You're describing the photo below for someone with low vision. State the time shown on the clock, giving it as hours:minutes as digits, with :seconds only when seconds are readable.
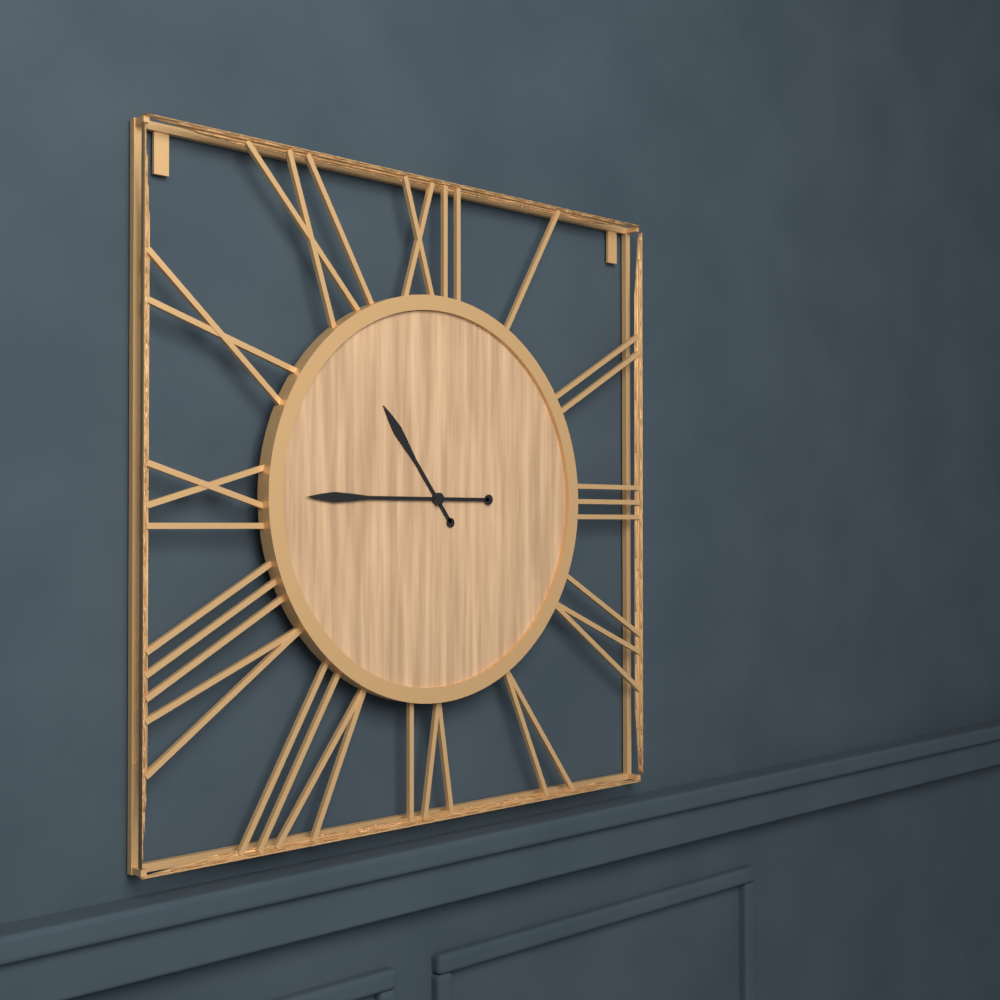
10:45
